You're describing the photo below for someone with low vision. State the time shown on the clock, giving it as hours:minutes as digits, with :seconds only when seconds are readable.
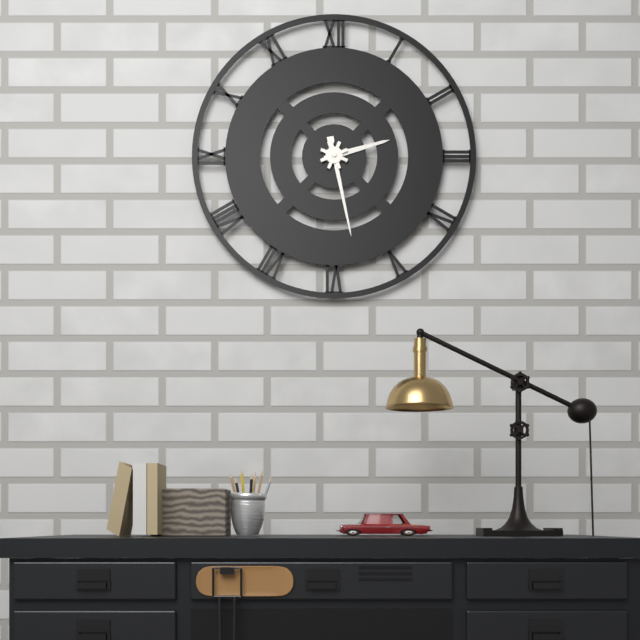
2:28
